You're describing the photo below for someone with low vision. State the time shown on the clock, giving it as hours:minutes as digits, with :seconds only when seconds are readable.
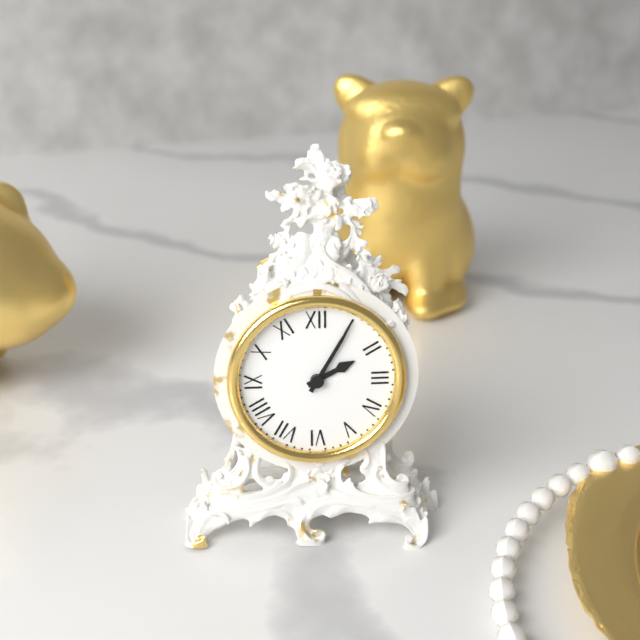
2:05
